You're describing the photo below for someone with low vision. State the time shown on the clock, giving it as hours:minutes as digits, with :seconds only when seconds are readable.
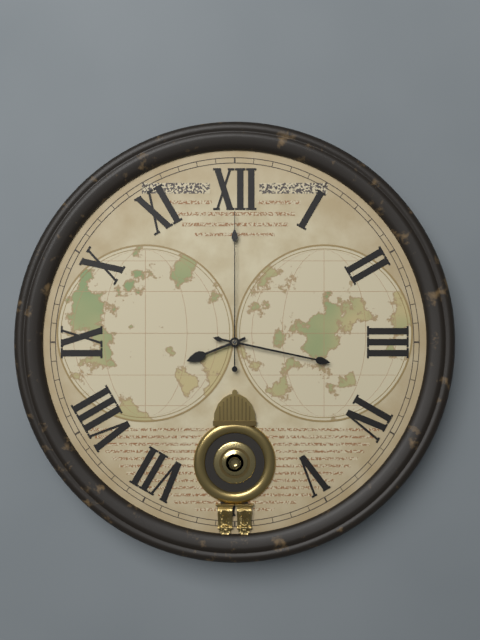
8:17:00
